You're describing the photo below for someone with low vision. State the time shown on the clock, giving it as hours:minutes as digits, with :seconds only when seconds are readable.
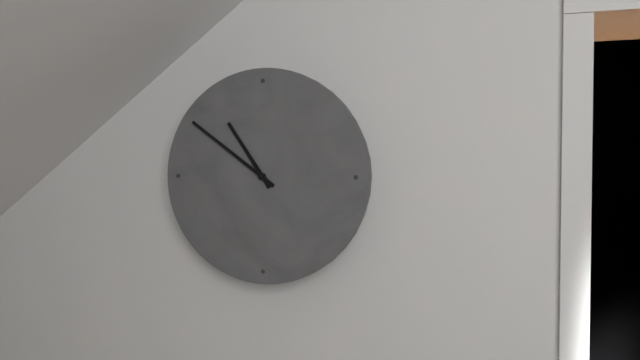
10:51
